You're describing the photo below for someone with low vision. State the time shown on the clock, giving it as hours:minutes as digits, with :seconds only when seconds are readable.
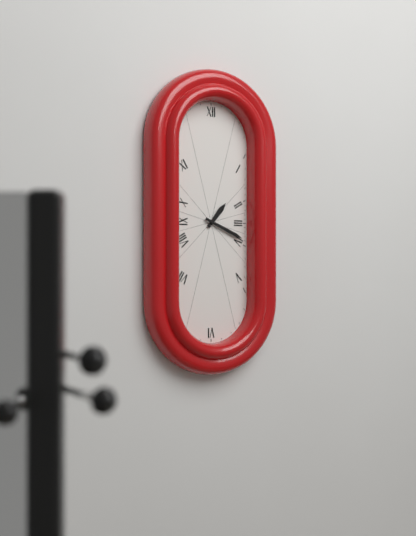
1:19
